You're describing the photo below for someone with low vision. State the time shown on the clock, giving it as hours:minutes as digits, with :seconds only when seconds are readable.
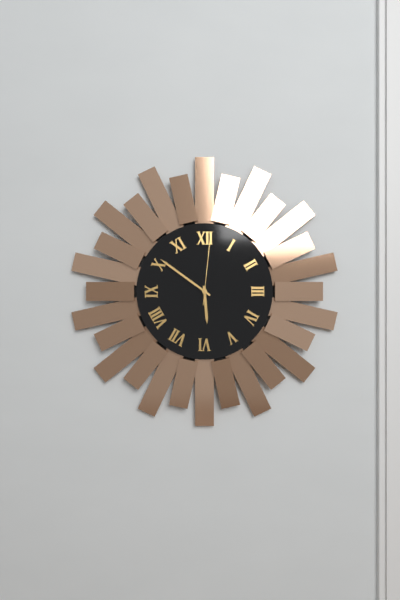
5:51:01
